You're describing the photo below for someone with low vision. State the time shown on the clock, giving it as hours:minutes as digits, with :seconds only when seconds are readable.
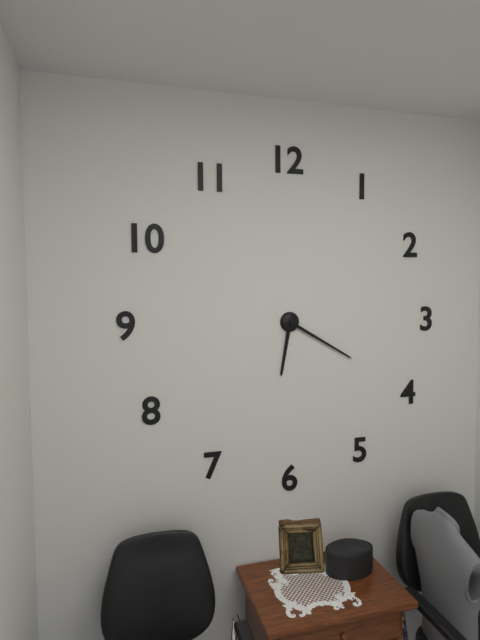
6:20
